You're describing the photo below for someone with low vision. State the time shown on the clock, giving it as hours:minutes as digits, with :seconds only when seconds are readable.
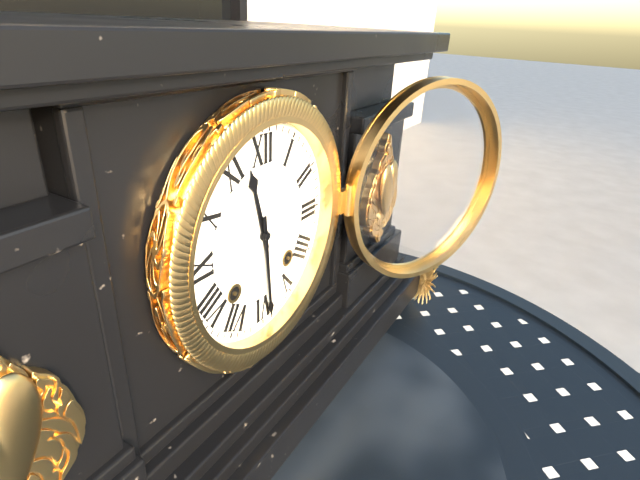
11:29
